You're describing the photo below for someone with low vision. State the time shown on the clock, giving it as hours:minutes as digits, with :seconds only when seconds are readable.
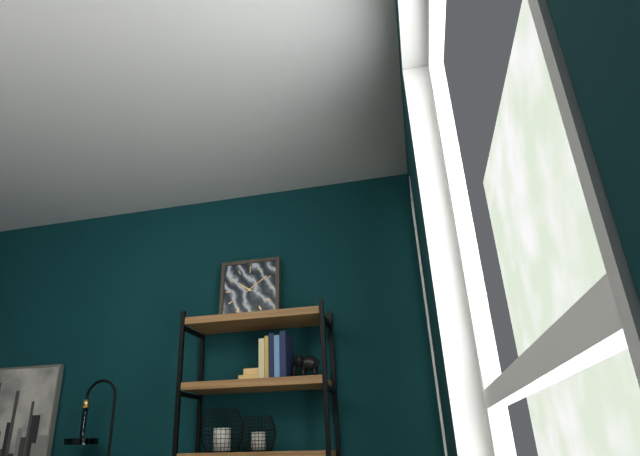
10:09
